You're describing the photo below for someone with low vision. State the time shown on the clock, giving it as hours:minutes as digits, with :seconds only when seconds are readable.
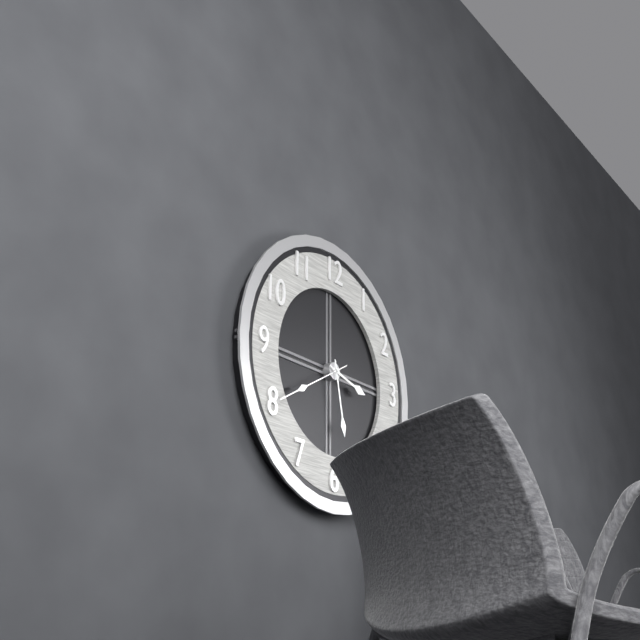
3:28:40
